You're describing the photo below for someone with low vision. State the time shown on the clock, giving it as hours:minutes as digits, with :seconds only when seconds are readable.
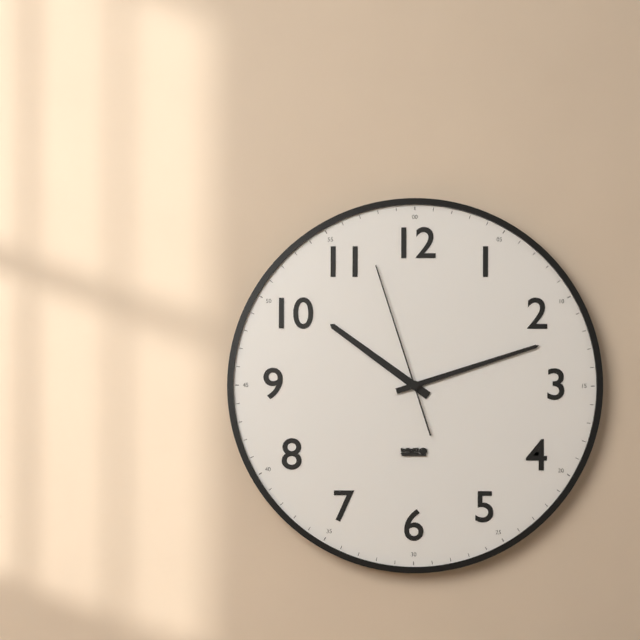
10:12:57
